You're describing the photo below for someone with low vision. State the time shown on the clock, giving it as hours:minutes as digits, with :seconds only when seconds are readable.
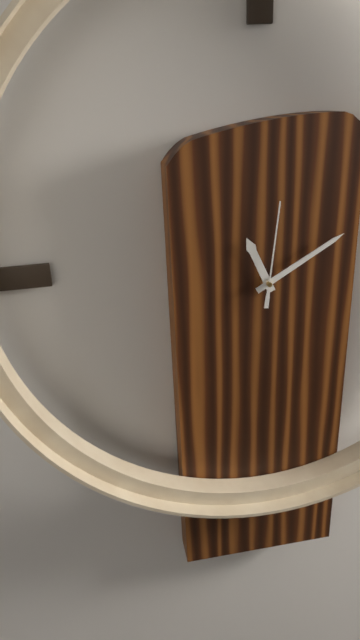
11:10:01
